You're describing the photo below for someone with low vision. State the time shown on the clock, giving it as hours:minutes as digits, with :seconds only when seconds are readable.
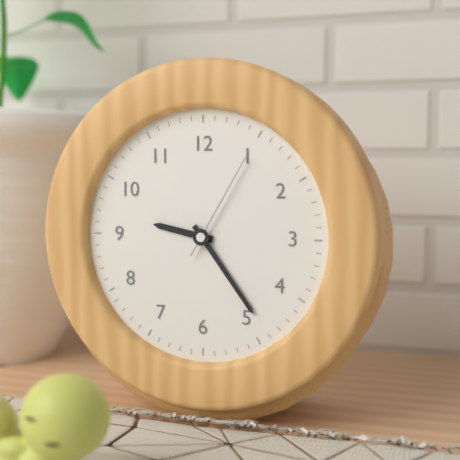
9:24:05
